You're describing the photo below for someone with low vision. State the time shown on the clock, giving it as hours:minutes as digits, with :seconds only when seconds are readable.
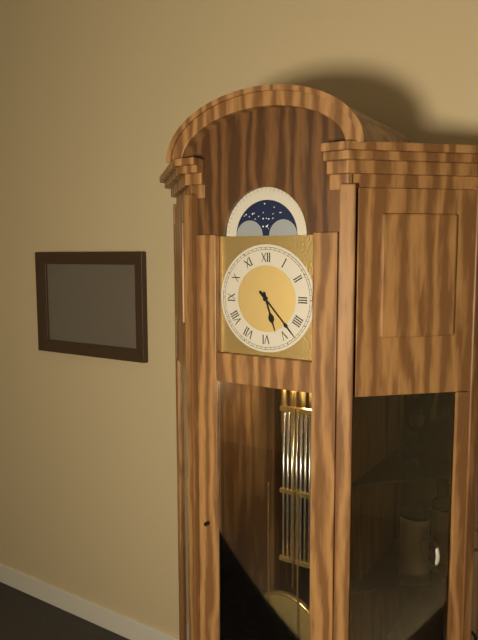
5:23
